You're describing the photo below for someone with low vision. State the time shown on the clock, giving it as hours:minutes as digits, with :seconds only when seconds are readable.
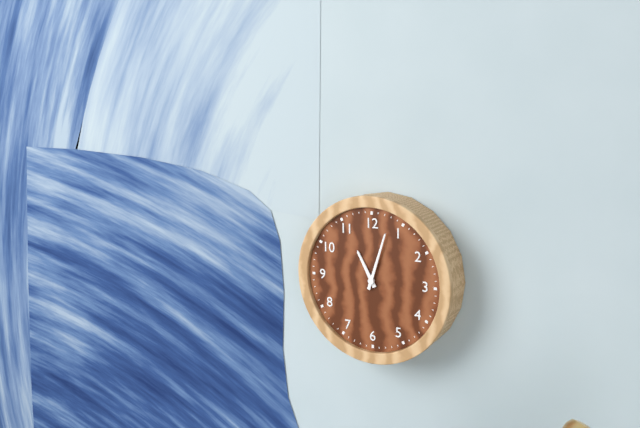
11:03
